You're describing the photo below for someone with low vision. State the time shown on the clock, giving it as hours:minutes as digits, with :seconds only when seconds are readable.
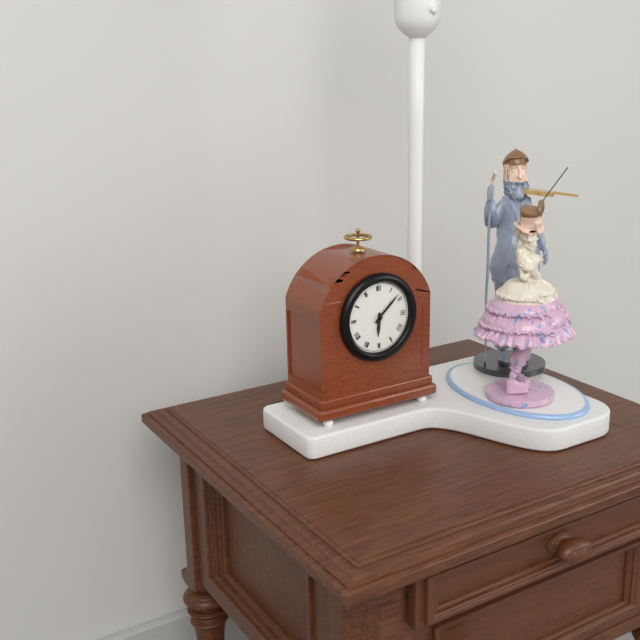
6:08
